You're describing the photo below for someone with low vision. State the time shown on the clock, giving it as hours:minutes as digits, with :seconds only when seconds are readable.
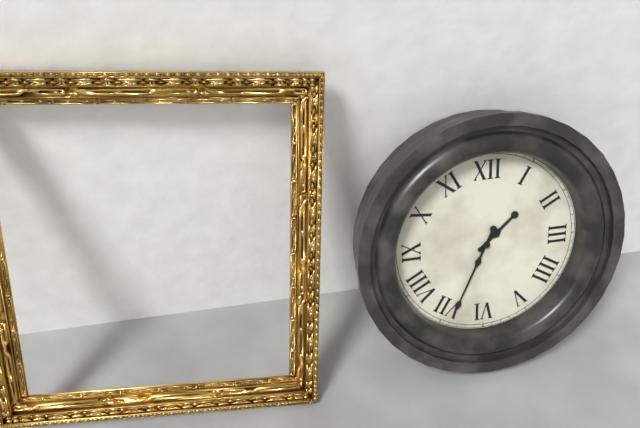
1:34
